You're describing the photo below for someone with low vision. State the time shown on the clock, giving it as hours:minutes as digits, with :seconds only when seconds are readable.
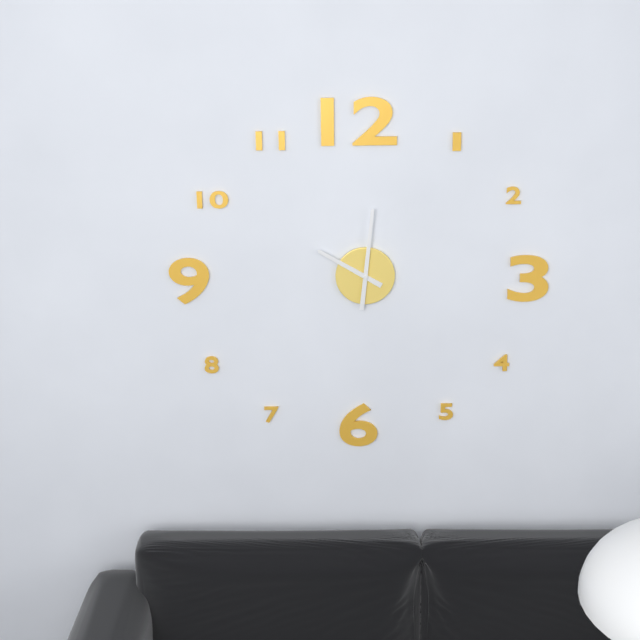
10:01
